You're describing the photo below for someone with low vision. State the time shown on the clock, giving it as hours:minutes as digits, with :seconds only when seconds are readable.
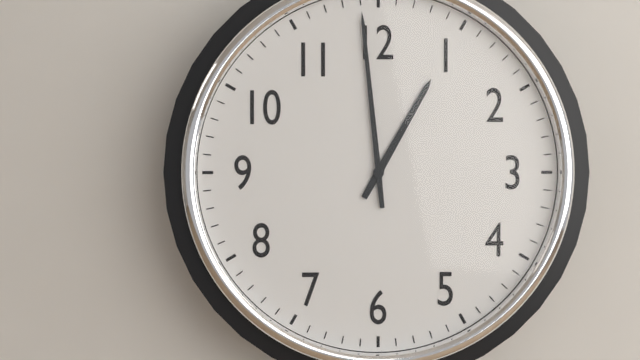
12:59
